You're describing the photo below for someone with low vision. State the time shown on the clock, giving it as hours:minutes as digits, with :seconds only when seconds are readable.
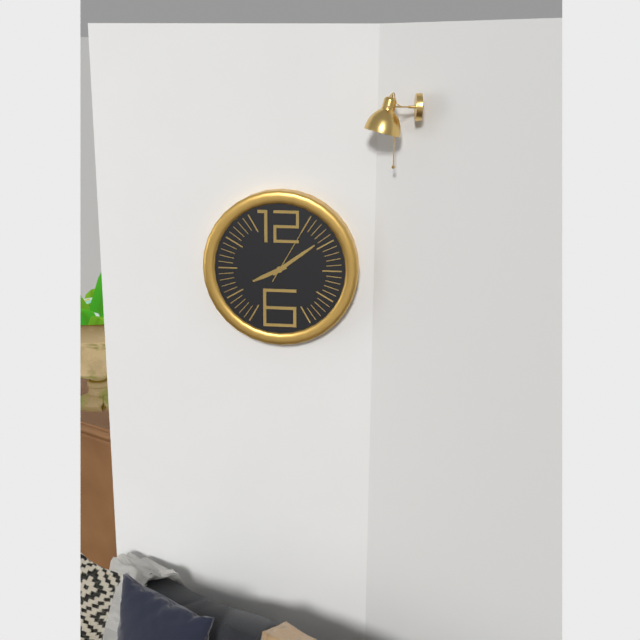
8:09:05
